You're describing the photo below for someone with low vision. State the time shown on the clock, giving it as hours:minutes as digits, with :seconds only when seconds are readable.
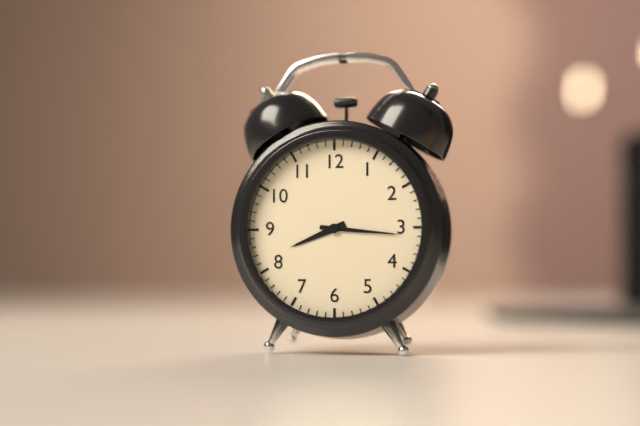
8:16
